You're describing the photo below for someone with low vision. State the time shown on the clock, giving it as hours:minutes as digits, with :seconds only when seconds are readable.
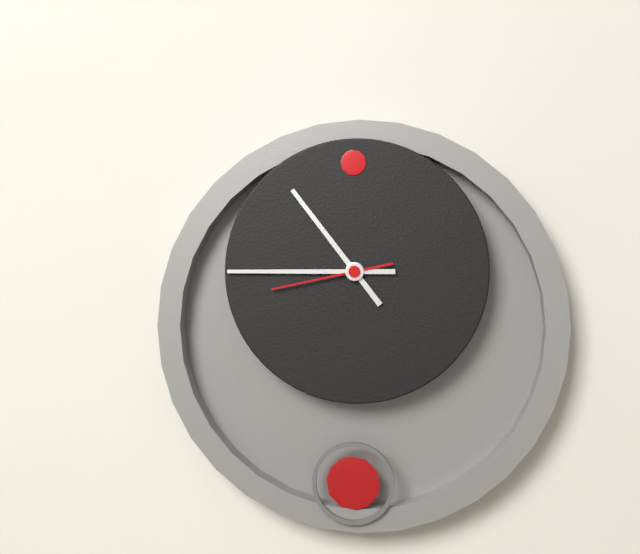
10:45:43
